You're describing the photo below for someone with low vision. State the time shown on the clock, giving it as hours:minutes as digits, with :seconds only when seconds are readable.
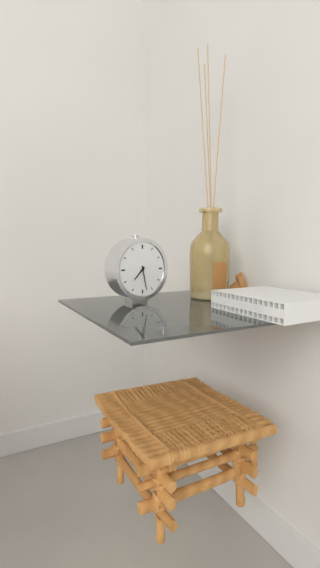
7:28
